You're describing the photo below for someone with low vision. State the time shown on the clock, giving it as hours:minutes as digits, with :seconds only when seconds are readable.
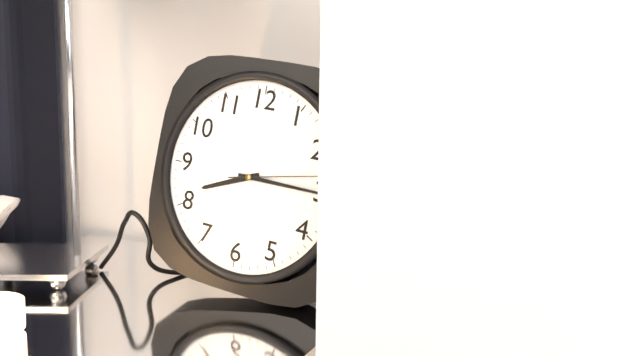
8:15:13
